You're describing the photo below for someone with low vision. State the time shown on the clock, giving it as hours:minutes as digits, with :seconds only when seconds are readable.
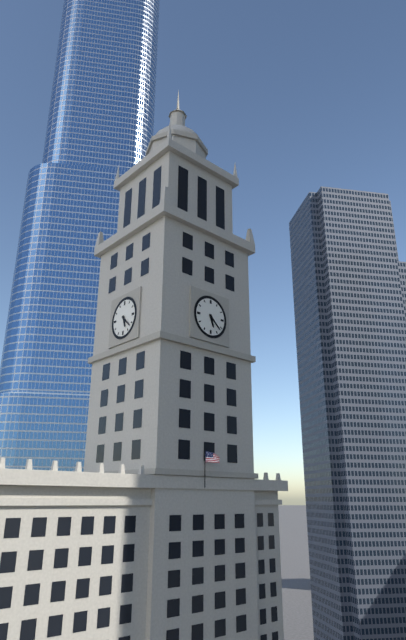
5:22
